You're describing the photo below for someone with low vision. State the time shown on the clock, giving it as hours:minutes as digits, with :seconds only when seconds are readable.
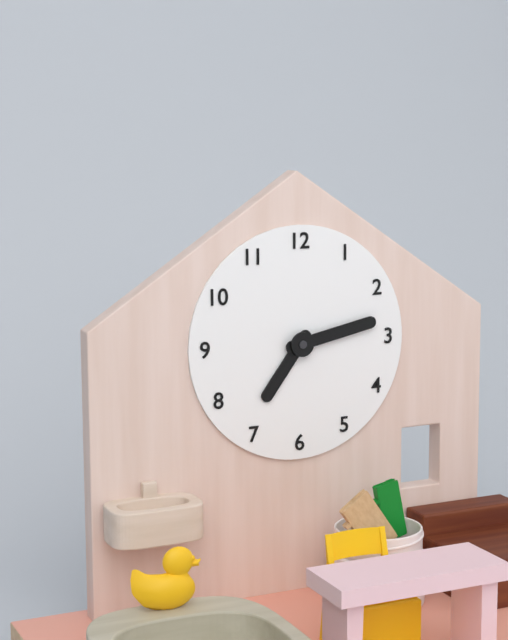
7:13
